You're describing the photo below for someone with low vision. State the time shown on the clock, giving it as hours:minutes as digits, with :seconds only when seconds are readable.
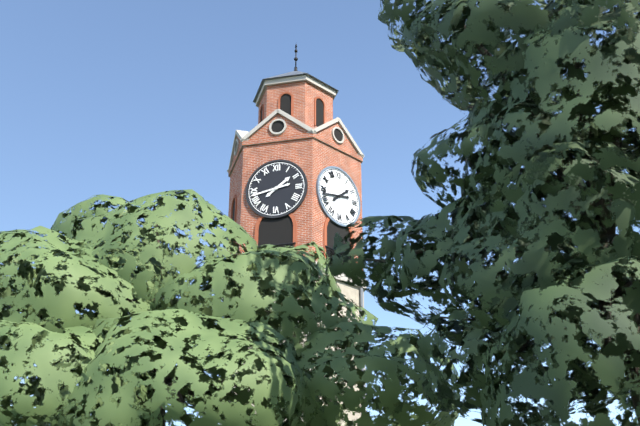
1:43
